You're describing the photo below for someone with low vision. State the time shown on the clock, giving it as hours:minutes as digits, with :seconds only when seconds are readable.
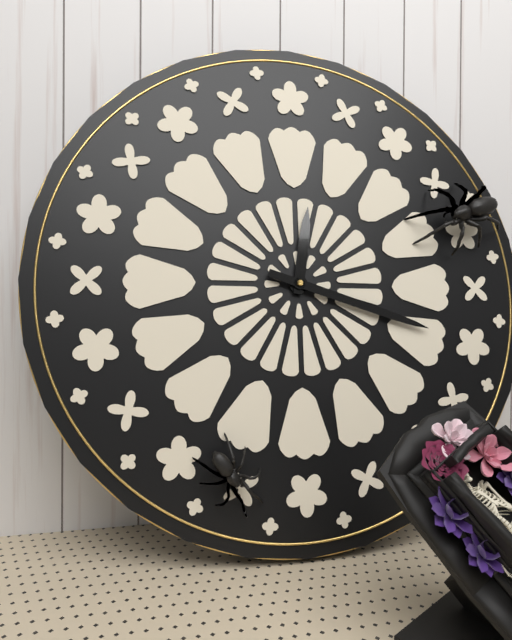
12:18
